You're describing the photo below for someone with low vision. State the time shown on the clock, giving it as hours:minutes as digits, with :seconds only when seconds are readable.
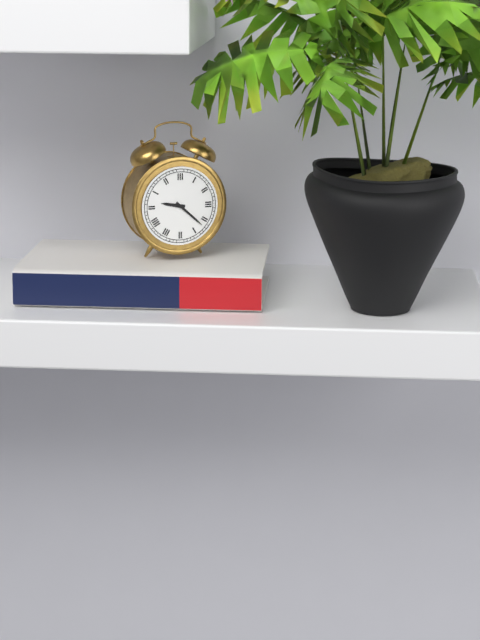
9:22
